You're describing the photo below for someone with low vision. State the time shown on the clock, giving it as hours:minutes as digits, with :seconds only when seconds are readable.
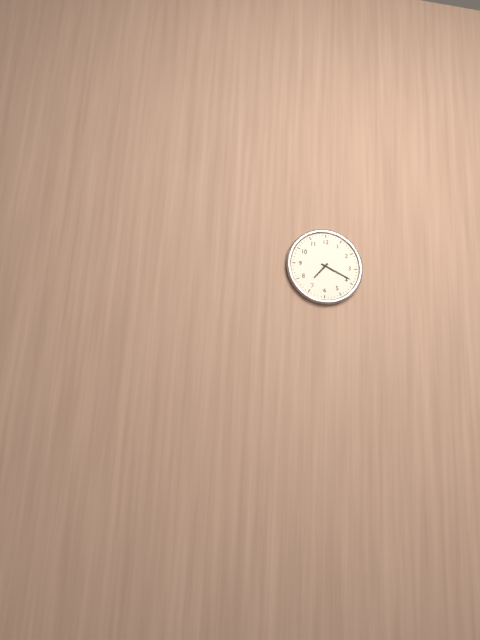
7:19
